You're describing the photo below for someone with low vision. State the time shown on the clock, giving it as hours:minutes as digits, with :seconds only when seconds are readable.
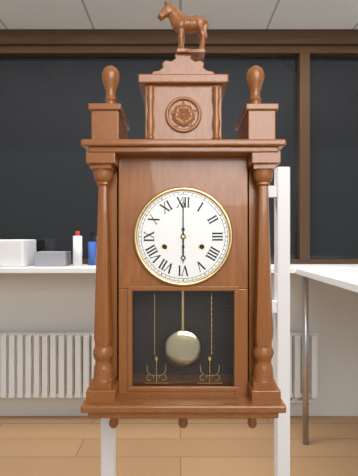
6:00
